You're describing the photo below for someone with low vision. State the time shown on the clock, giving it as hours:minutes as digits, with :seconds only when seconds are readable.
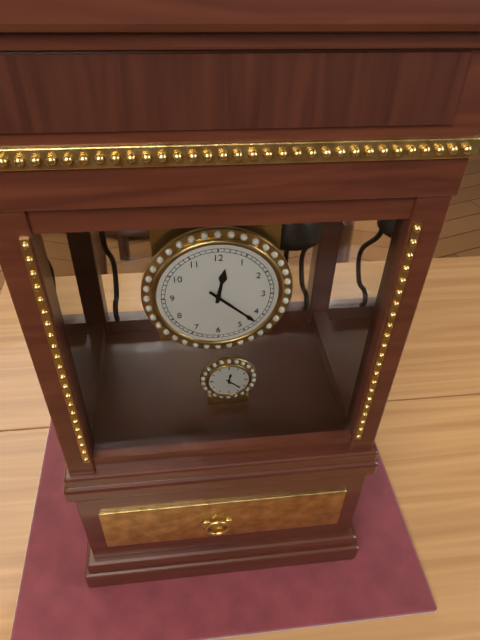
12:22
